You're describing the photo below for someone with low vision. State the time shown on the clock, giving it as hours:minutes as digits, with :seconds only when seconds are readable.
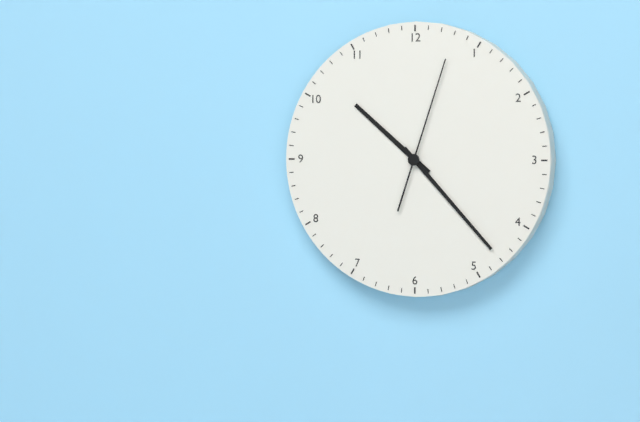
10:23:03
